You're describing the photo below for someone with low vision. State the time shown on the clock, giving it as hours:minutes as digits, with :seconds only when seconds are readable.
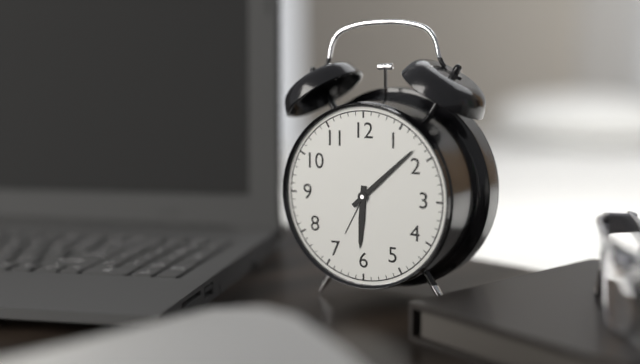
6:08
